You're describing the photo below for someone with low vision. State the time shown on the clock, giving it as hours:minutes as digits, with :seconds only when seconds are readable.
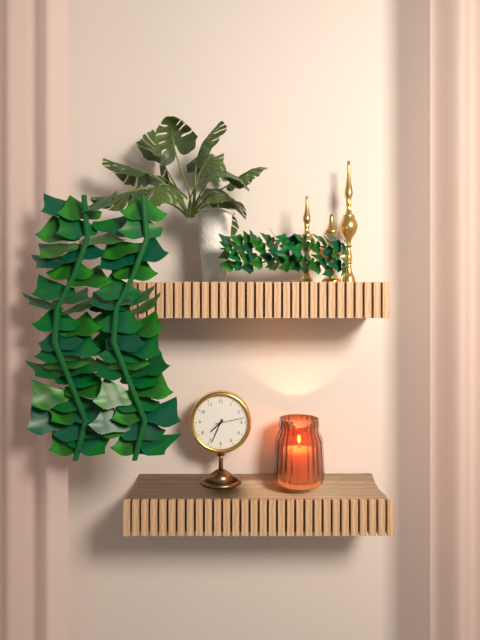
7:34
